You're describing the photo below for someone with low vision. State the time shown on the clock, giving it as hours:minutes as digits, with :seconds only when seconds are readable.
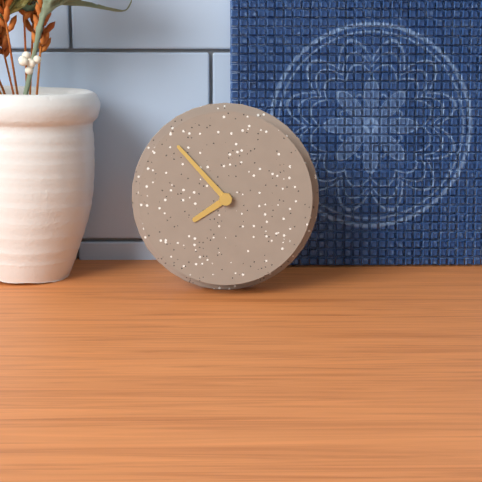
7:53
